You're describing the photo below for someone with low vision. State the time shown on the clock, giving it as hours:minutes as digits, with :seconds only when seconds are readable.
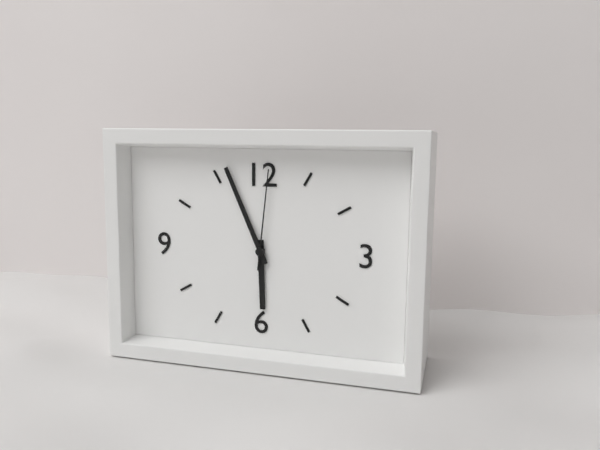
5:56:01
